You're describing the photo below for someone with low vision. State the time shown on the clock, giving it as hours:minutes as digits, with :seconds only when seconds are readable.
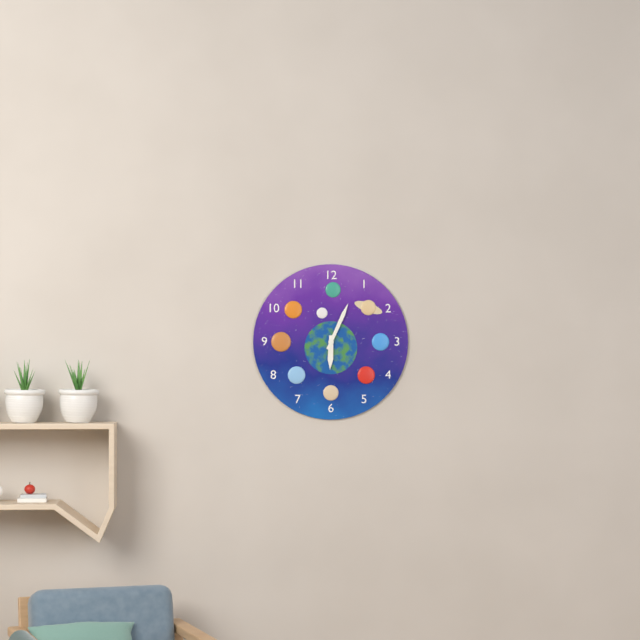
6:04
